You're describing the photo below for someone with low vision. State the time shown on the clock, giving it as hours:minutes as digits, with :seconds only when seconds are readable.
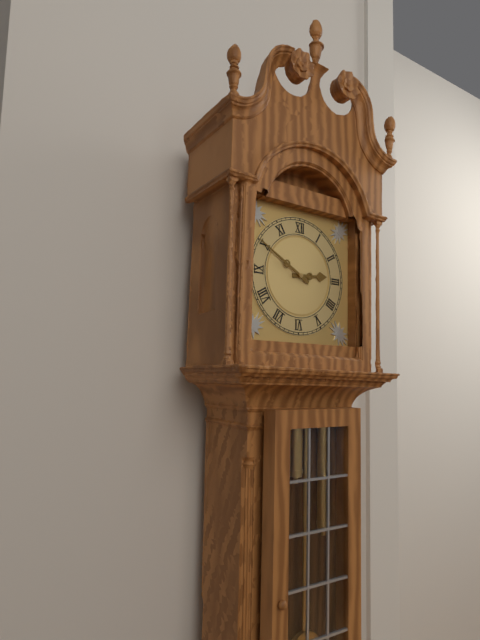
2:50
